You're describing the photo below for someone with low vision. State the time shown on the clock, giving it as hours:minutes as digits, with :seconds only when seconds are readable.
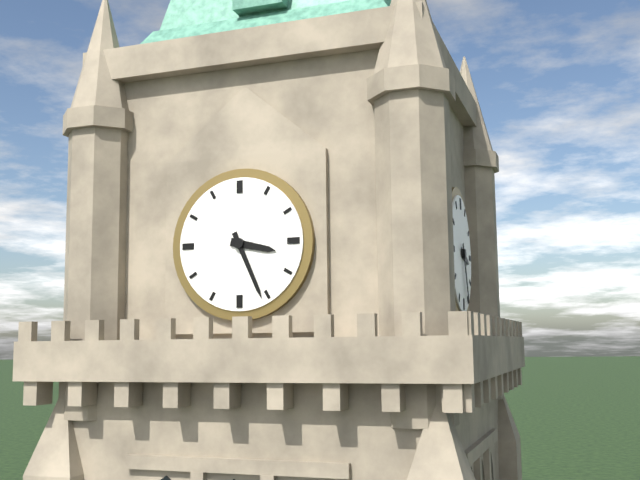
3:26
